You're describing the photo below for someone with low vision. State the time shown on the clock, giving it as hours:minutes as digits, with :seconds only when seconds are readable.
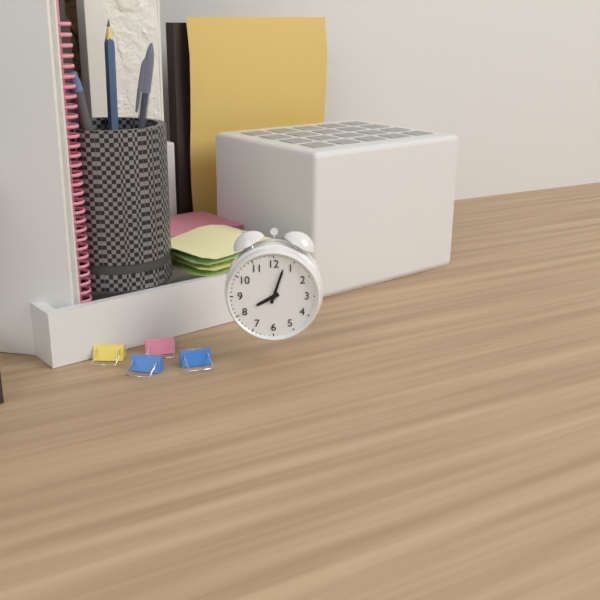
8:03
